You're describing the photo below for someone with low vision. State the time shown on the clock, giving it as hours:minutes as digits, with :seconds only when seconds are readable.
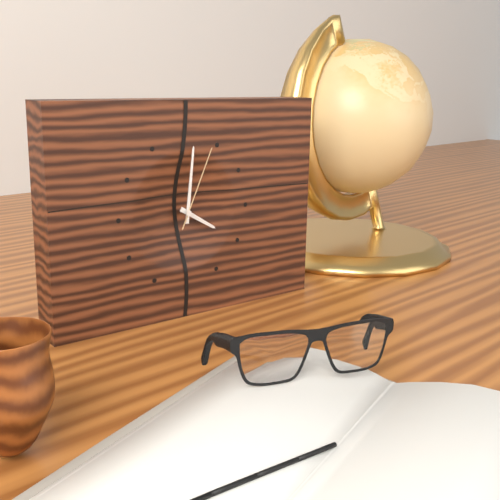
4:01:04
